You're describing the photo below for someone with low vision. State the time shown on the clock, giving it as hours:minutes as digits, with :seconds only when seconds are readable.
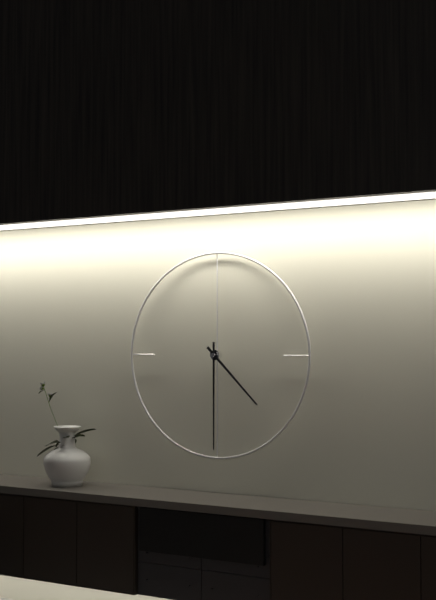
4:30
